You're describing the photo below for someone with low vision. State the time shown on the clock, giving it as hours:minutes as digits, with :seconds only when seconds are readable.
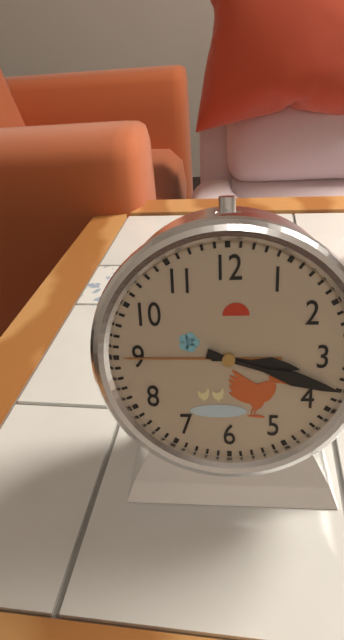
3:18
